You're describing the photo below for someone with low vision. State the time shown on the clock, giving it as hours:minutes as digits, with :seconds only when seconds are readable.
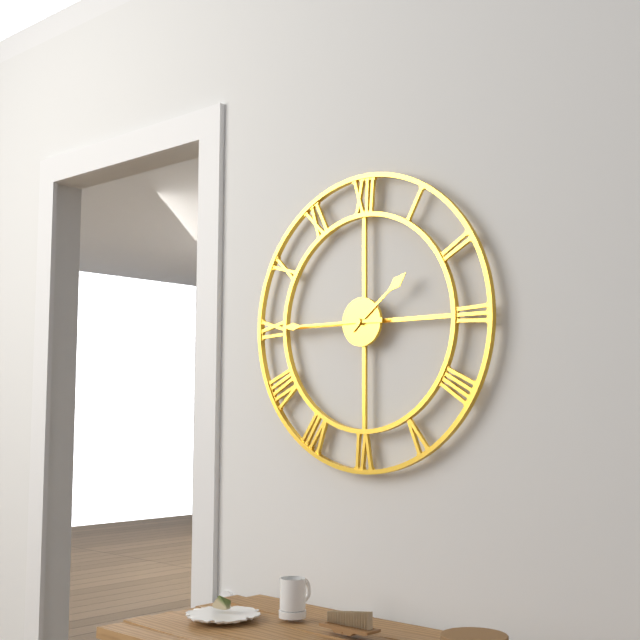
1:45
